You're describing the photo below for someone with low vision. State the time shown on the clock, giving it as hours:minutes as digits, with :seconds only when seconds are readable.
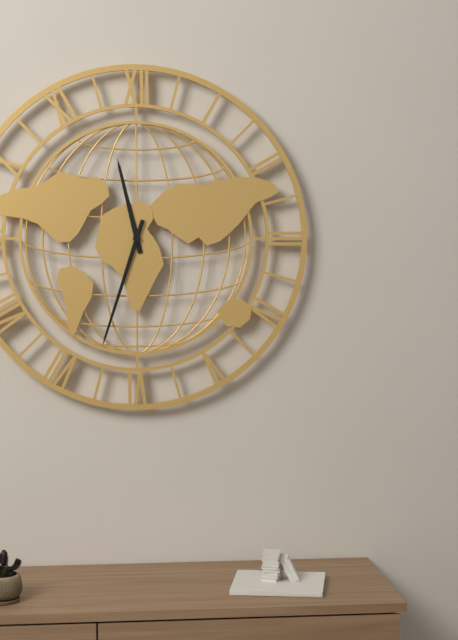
11:33
